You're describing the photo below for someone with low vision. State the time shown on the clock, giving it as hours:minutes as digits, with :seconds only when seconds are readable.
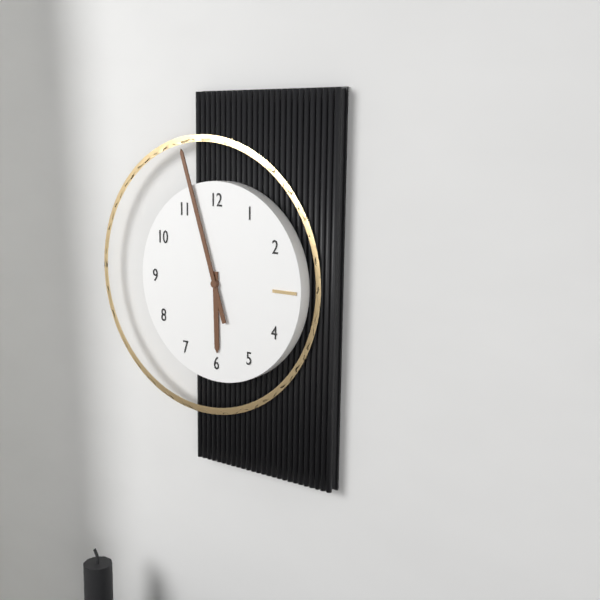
5:57
